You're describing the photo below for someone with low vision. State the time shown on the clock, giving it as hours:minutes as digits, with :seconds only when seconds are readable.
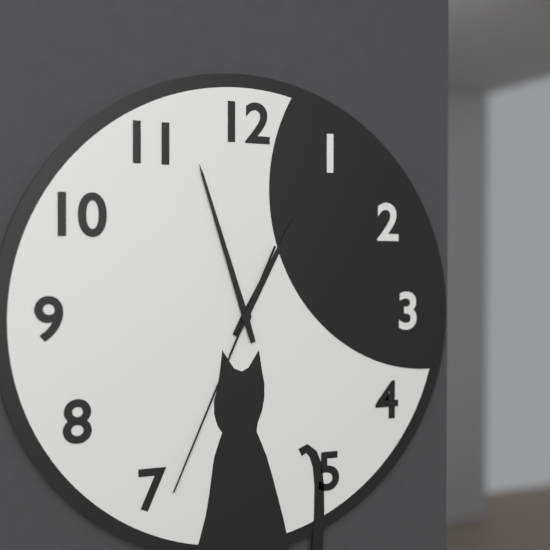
12:57:34
